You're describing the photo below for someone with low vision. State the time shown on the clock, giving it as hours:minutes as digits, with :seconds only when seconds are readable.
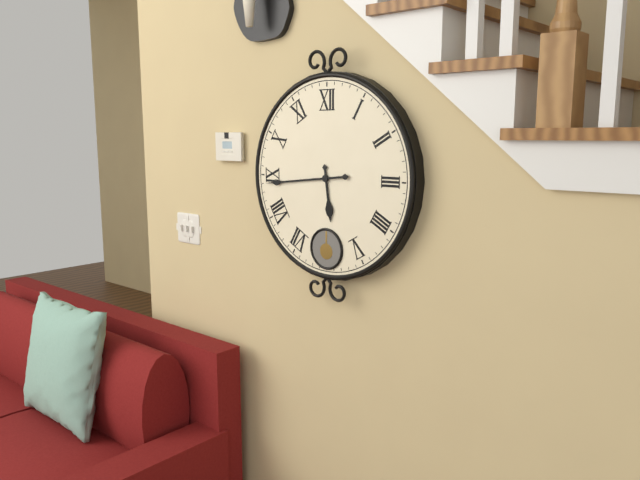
5:44
